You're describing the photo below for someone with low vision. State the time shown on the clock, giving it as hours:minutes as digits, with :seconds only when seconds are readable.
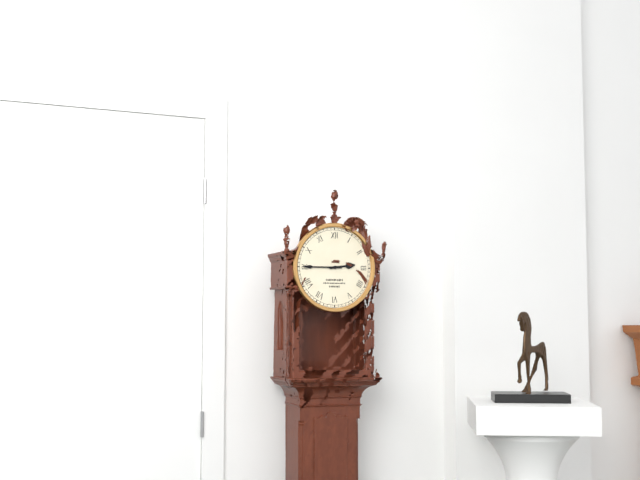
2:45
